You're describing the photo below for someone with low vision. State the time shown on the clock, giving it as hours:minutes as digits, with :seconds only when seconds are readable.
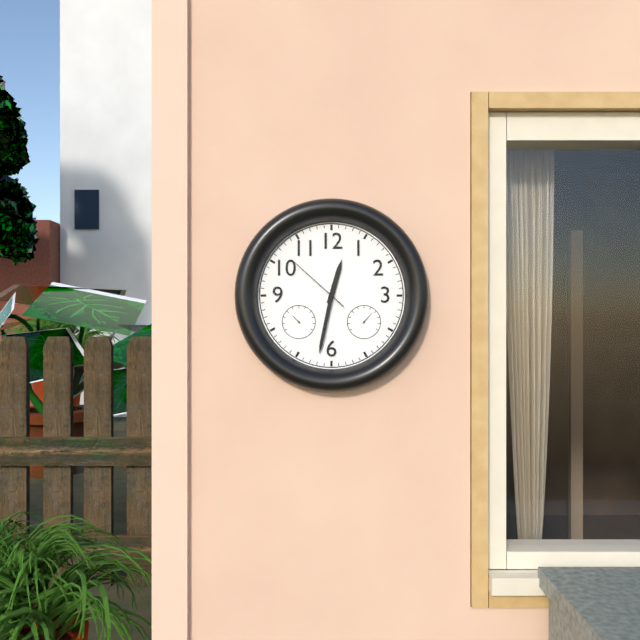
12:32:52
